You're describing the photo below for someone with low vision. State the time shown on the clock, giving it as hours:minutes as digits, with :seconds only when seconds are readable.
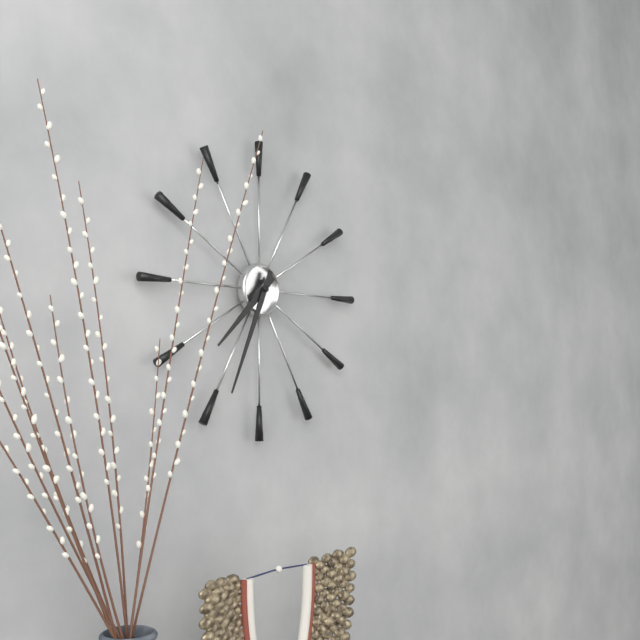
7:34
